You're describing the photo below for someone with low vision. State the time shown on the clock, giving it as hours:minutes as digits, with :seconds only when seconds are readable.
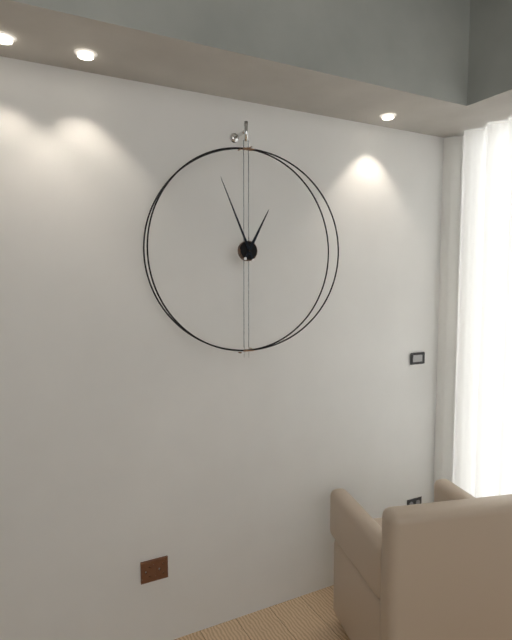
12:56
